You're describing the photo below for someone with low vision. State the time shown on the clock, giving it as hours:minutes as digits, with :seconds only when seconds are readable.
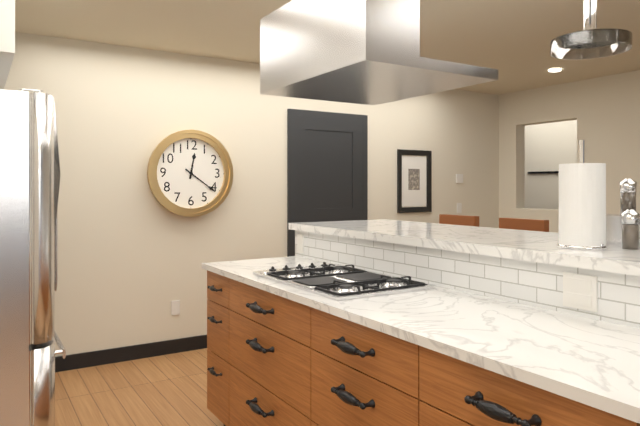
12:21
